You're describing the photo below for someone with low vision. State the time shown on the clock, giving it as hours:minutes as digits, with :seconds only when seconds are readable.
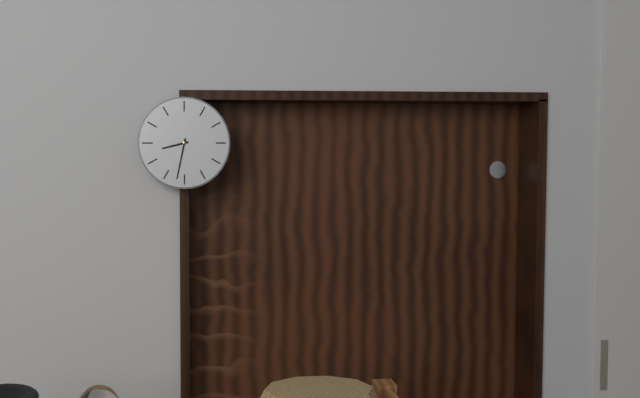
8:32
